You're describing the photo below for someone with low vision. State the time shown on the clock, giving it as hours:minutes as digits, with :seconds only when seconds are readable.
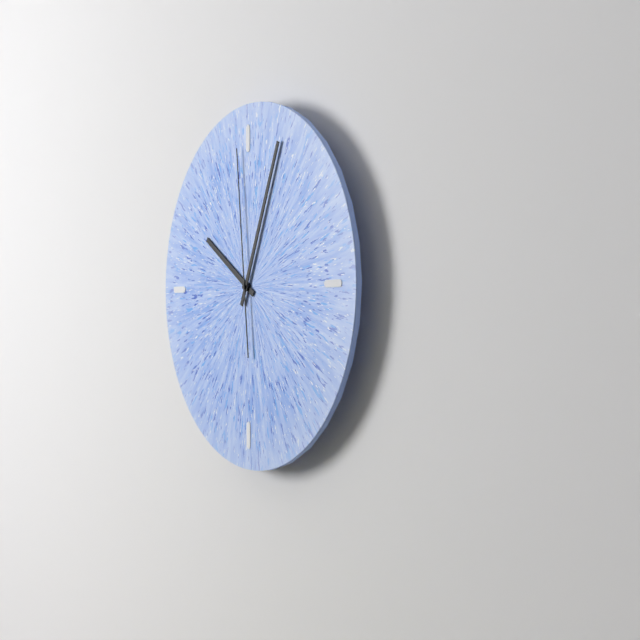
10:04:59
